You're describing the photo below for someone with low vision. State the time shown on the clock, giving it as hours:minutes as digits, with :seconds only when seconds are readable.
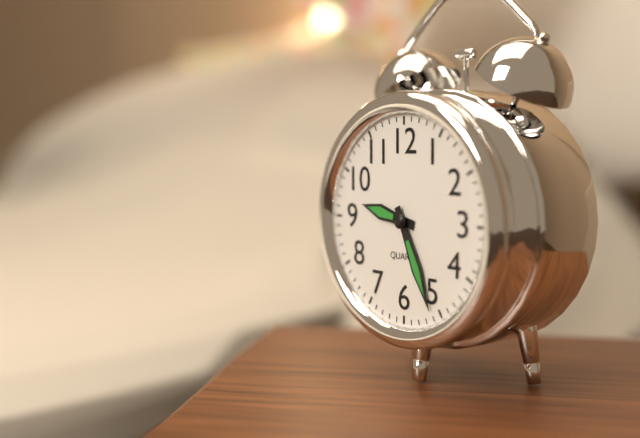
9:26
